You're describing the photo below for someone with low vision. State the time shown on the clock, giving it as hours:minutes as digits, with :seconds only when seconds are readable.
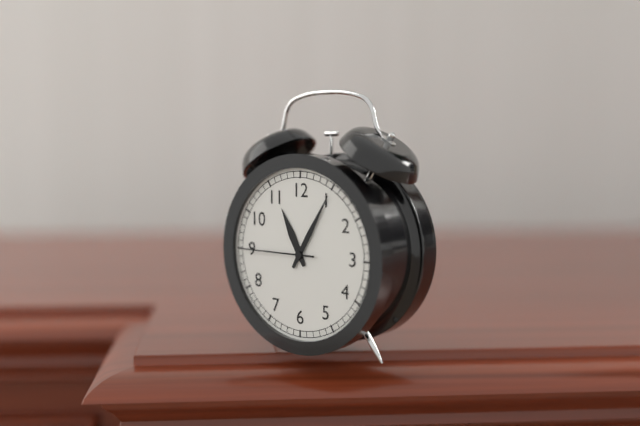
11:05:45
